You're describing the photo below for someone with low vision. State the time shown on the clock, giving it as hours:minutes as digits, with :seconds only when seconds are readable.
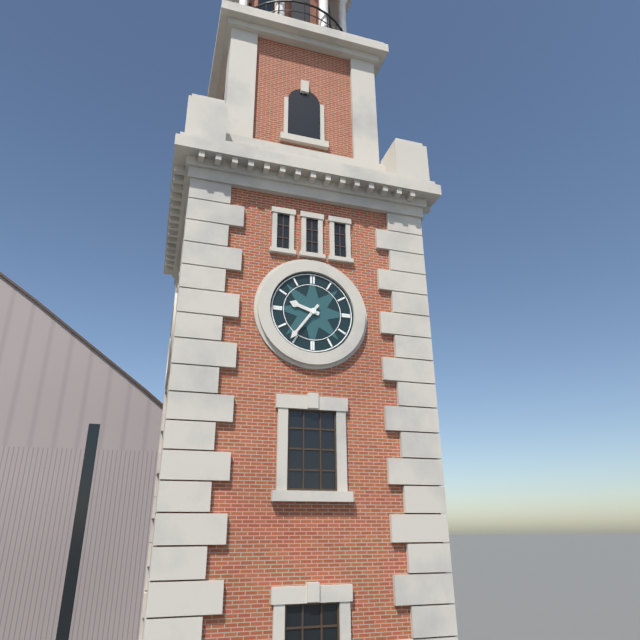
9:36
